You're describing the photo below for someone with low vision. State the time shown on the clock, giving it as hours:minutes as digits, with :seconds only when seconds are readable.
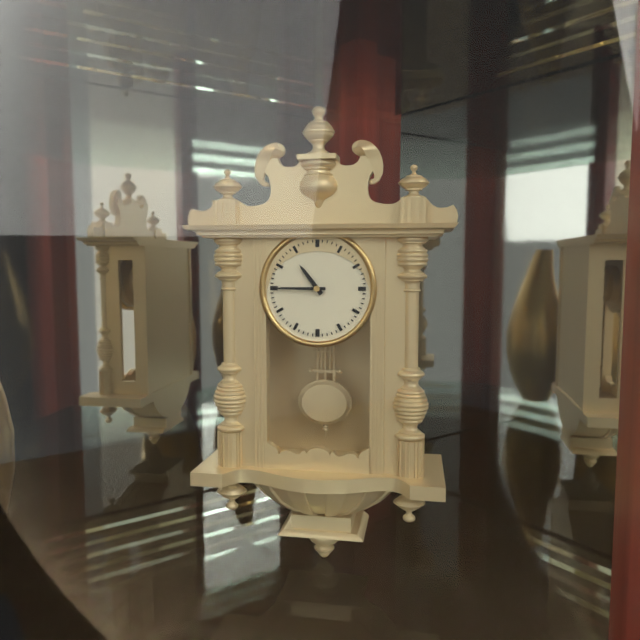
10:45
